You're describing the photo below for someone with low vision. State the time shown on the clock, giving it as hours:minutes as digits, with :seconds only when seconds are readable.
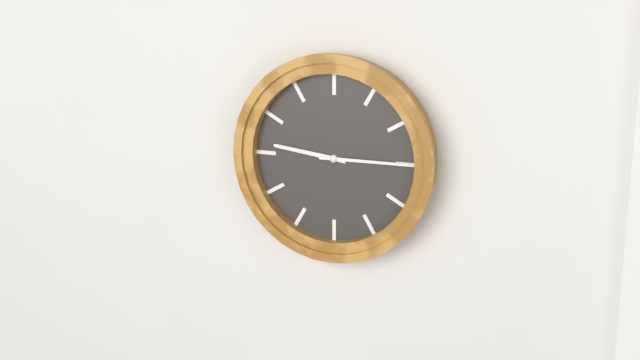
9:15
